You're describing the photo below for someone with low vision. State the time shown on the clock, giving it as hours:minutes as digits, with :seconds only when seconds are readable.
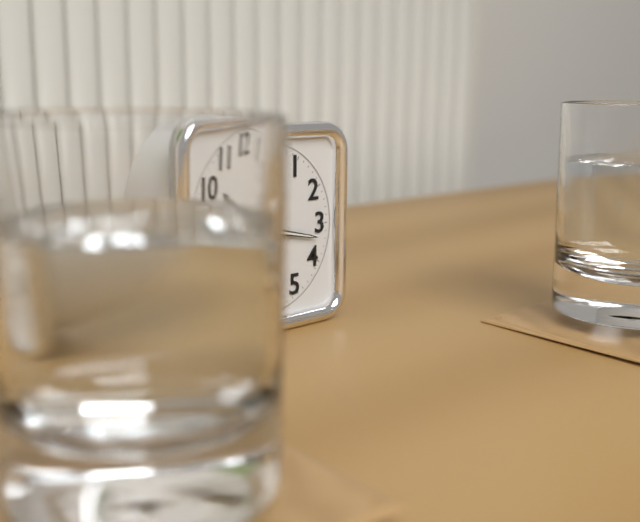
10:17:34
